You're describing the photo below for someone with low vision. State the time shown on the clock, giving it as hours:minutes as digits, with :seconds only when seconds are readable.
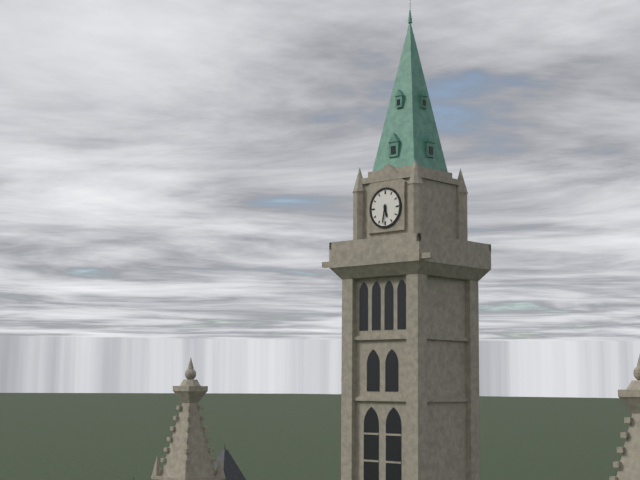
5:32
